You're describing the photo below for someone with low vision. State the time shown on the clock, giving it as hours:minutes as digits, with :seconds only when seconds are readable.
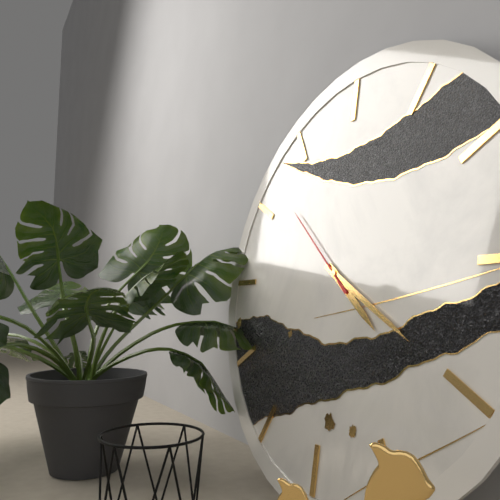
4:20:52
